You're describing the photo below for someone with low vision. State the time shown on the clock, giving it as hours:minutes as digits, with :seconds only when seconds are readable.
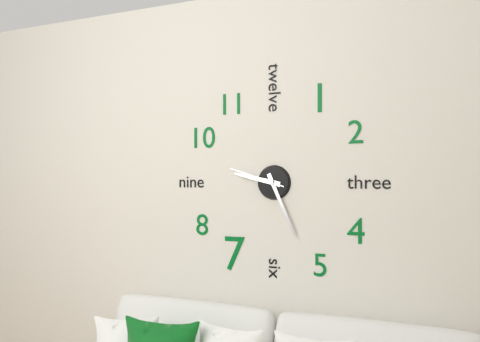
9:26:48
